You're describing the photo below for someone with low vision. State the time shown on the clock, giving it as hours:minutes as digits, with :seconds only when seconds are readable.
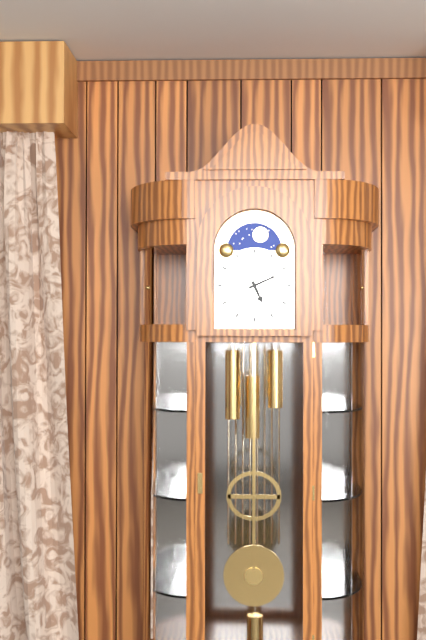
5:11
